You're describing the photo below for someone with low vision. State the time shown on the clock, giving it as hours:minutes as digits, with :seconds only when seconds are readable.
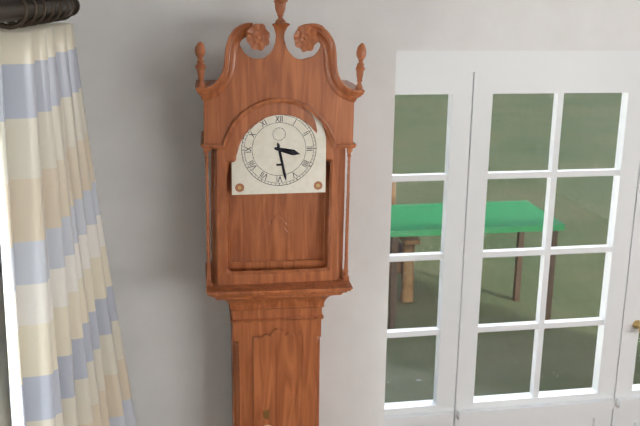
3:28
